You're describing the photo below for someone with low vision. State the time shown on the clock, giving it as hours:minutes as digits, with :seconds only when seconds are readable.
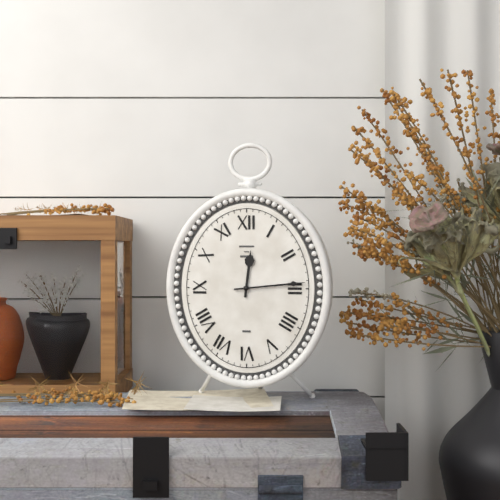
12:14
